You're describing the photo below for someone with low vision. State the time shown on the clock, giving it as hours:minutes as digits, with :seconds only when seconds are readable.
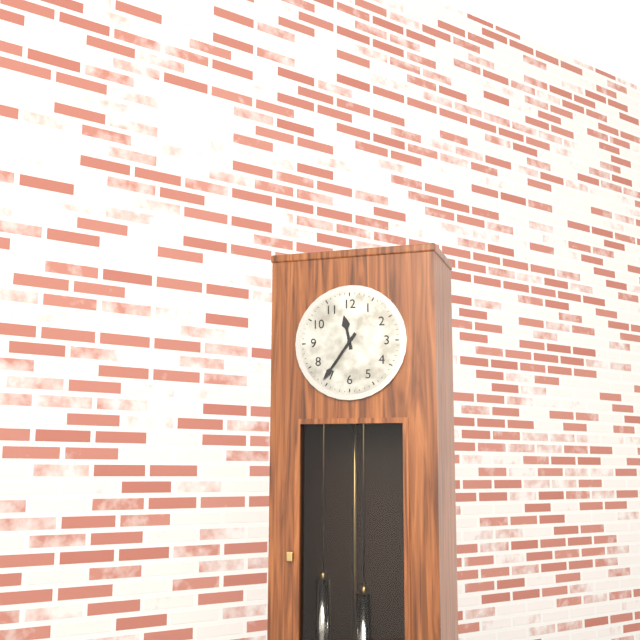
11:36
